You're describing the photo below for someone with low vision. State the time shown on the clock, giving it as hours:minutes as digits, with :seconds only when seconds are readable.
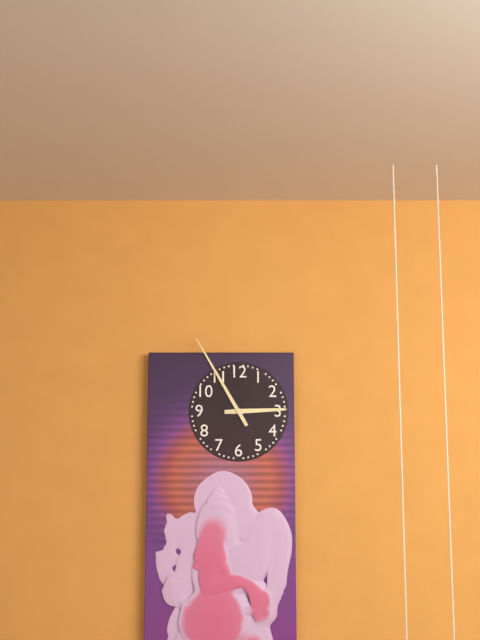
2:55
